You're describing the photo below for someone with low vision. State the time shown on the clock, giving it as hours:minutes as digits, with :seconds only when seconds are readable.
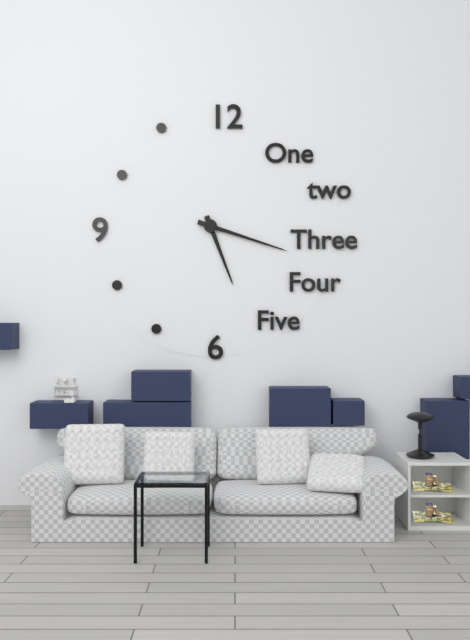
5:18
